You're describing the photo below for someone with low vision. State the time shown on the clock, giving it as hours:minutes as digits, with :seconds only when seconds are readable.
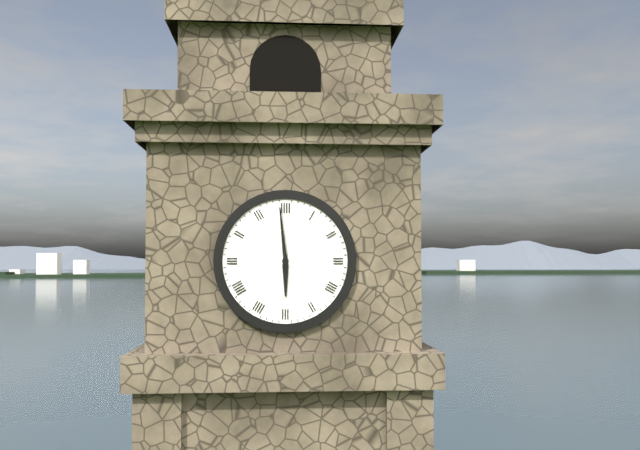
5:59
